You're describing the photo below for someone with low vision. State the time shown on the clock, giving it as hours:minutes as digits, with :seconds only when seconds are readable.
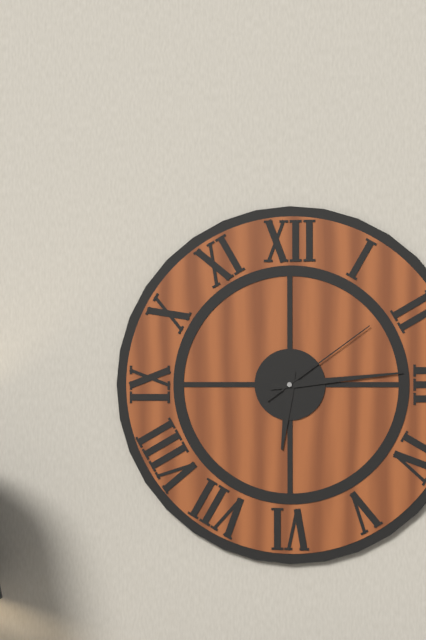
6:14:09
